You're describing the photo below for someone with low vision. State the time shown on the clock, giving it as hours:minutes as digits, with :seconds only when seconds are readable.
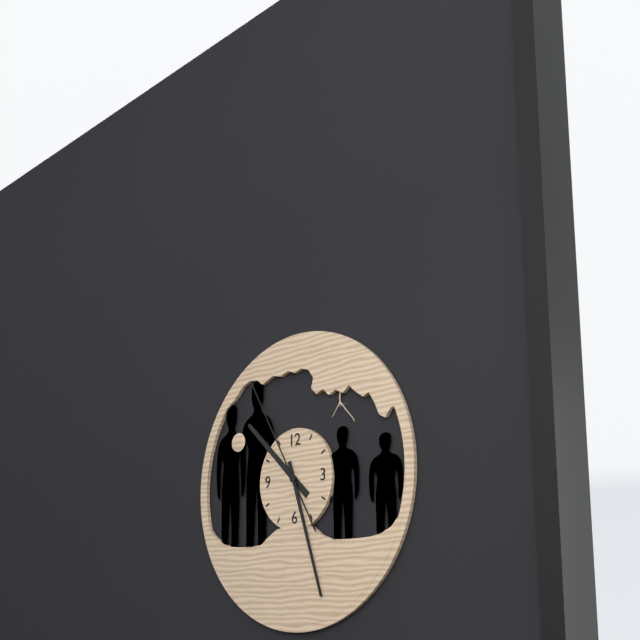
10:27:55
